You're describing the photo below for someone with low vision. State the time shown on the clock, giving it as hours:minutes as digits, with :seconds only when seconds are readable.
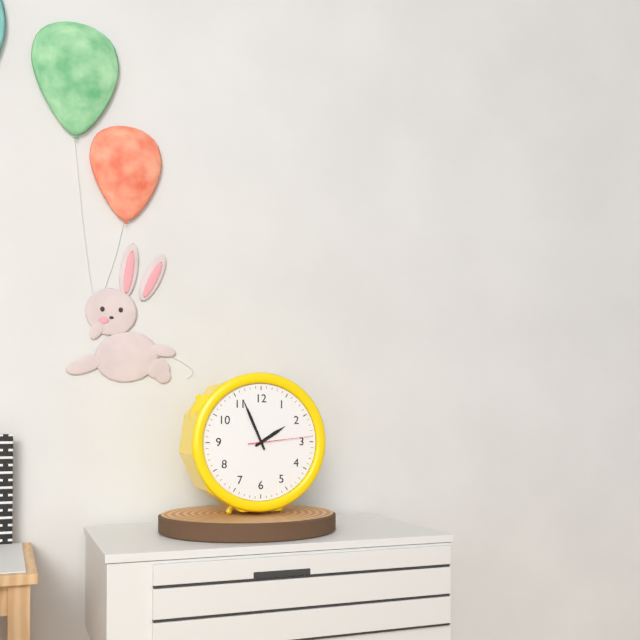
1:56:14
